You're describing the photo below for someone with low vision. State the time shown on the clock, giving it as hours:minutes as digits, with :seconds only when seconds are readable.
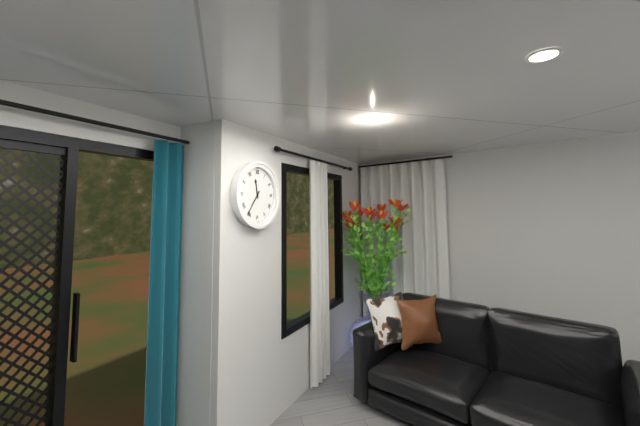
11:36
